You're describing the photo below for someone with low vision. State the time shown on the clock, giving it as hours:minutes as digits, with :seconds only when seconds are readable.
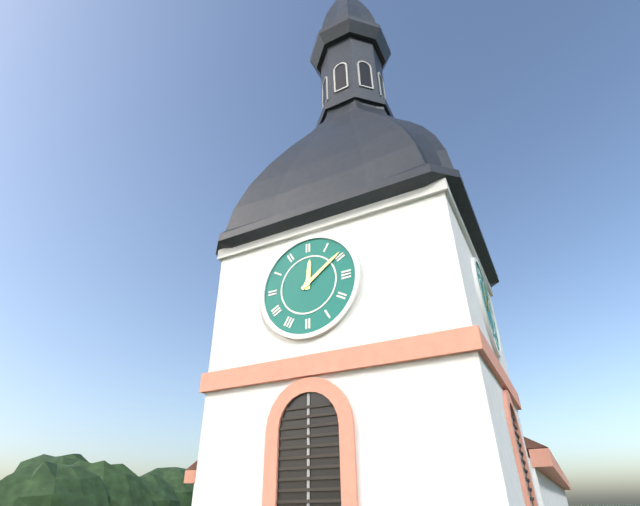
12:09
